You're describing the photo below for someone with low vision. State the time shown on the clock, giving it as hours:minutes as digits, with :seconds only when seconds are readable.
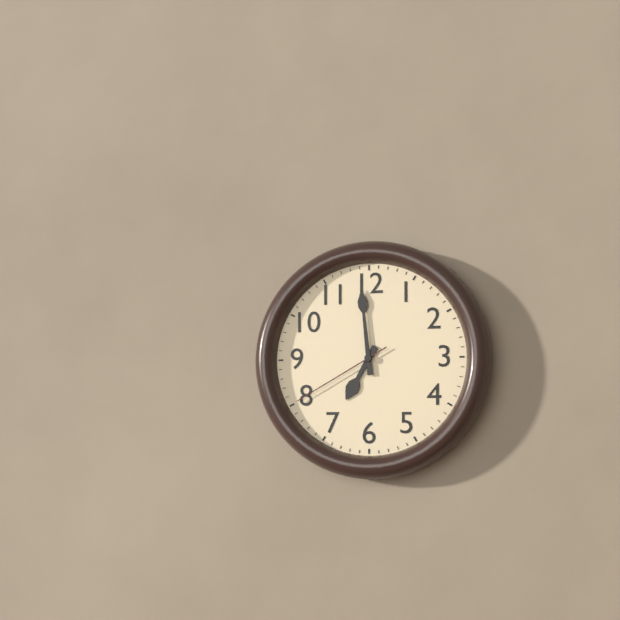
6:59:40
